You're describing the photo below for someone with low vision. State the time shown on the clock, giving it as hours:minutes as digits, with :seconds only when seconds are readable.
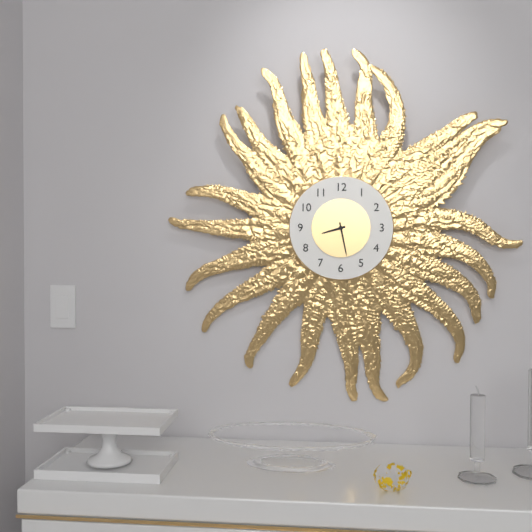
8:28
